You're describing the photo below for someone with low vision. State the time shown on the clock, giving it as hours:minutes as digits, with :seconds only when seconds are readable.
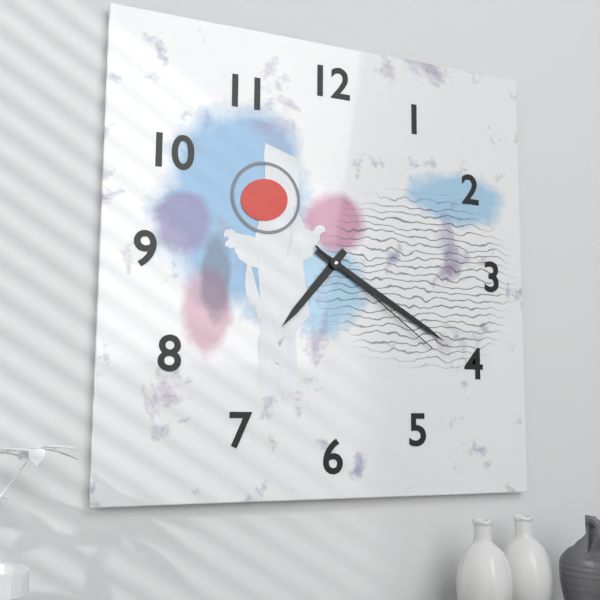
7:20:21
